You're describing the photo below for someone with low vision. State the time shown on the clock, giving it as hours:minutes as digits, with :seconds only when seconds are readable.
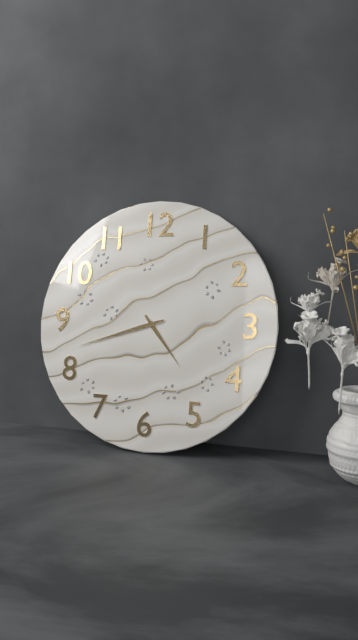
4:42
